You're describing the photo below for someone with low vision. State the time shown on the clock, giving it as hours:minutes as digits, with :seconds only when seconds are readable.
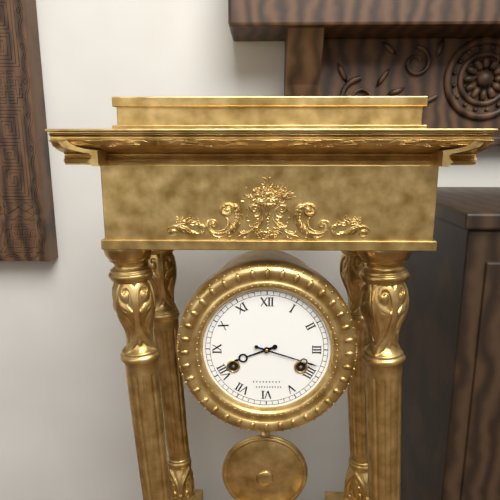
8:18
